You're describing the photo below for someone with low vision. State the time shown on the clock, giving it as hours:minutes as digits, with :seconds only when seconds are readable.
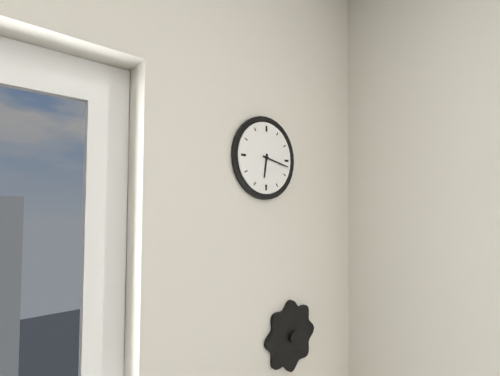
6:17
